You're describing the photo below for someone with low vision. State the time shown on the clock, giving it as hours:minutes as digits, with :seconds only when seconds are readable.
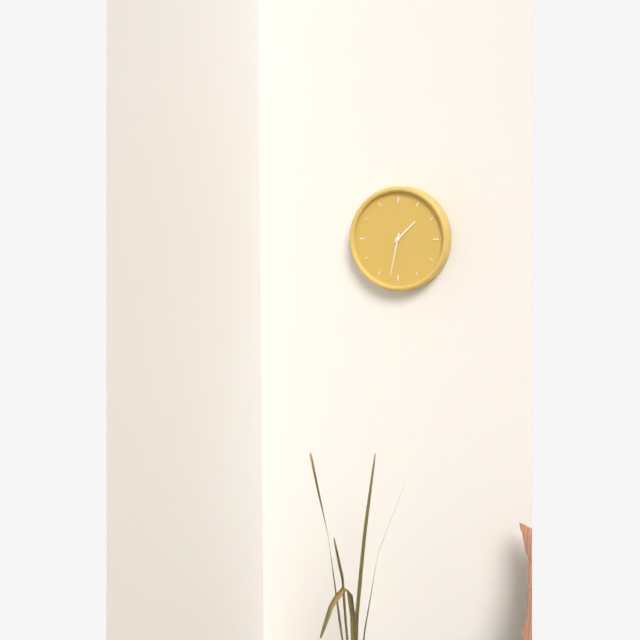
1:32
